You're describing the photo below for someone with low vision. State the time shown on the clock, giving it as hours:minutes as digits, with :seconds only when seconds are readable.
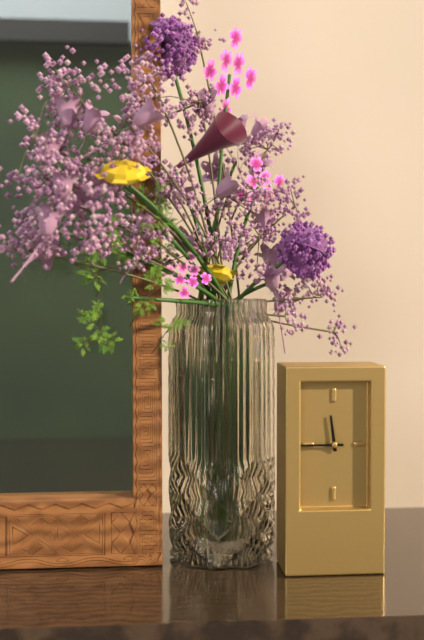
11:45
